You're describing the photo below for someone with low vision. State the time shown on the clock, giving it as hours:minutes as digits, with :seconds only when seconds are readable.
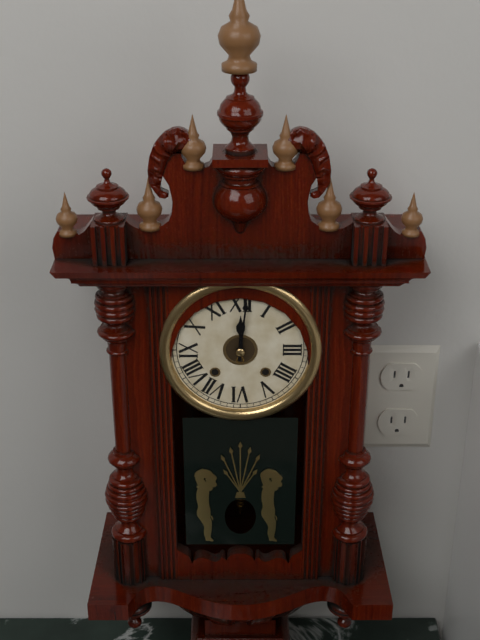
12:01
